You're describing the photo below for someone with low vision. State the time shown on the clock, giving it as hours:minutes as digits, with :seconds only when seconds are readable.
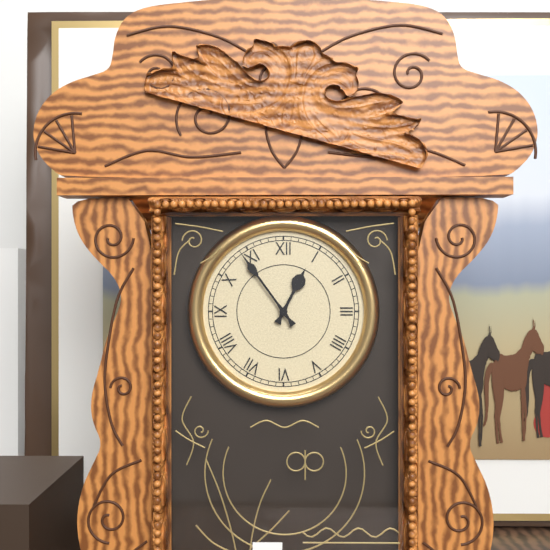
12:54
